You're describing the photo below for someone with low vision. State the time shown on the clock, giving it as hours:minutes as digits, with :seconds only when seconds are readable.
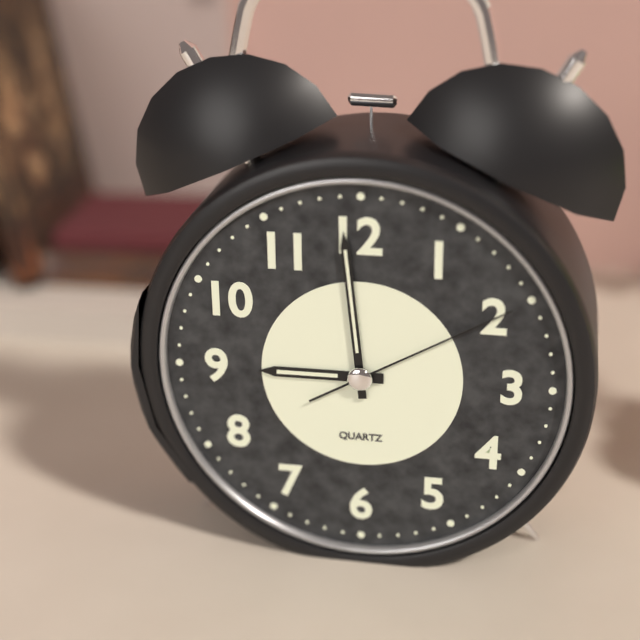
8:59:10
